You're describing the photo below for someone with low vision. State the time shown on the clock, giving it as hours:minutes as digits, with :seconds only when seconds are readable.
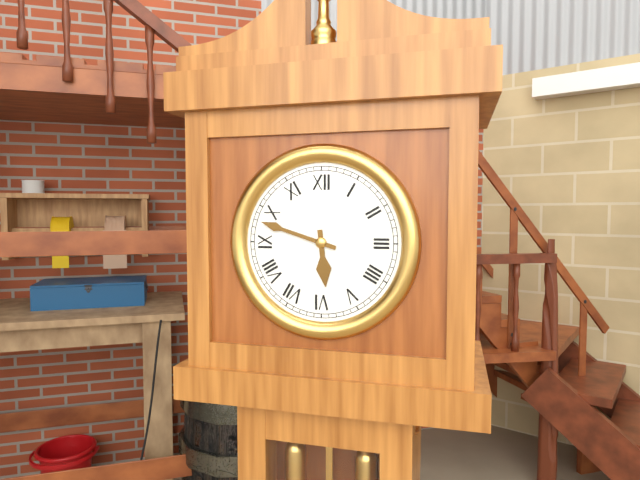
5:48
